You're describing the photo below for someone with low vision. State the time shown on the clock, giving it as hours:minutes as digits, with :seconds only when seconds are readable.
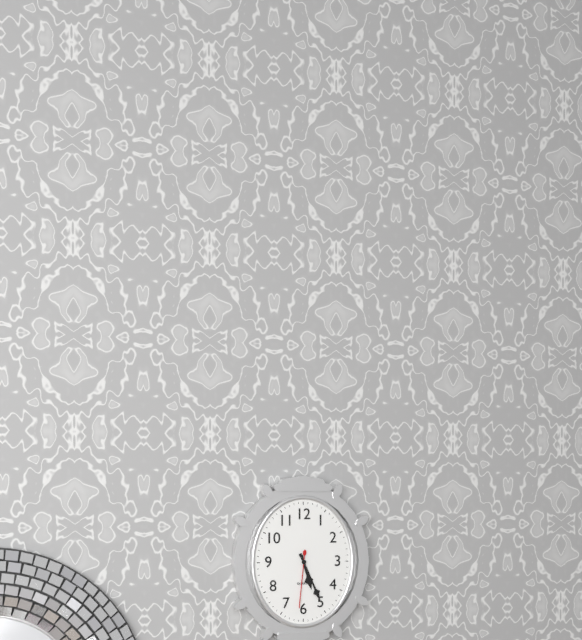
5:26:31
